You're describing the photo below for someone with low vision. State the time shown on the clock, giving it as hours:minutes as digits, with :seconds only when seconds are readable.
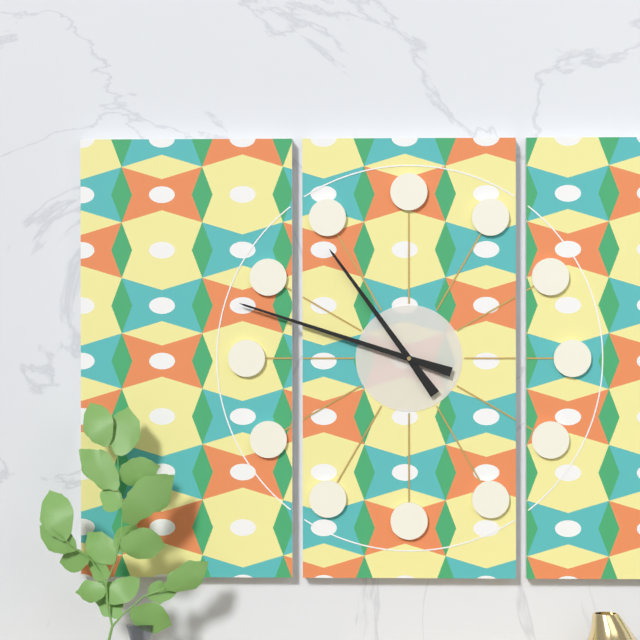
10:48
